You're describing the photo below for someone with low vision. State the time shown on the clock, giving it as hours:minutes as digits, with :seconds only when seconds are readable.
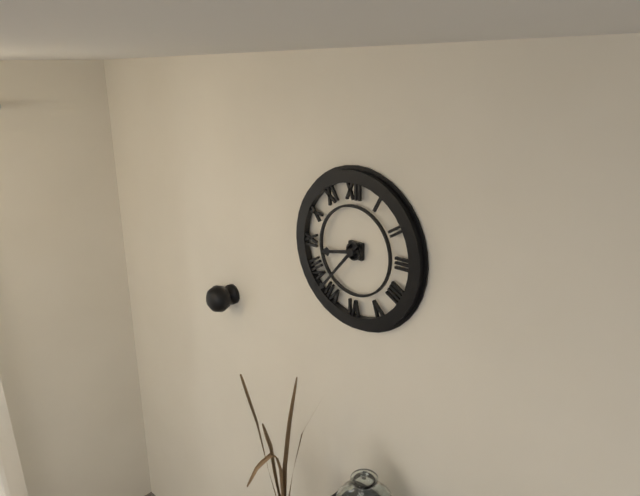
8:37
